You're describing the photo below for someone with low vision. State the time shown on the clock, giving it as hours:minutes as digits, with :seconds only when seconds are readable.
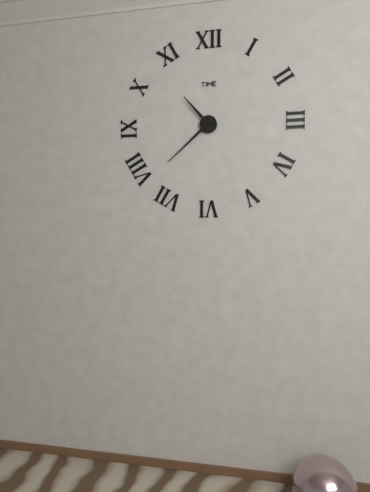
10:38
